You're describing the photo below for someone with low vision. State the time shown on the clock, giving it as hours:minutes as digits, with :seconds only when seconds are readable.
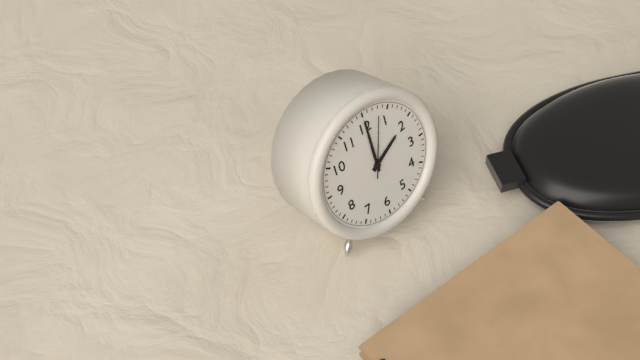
2:00:03
